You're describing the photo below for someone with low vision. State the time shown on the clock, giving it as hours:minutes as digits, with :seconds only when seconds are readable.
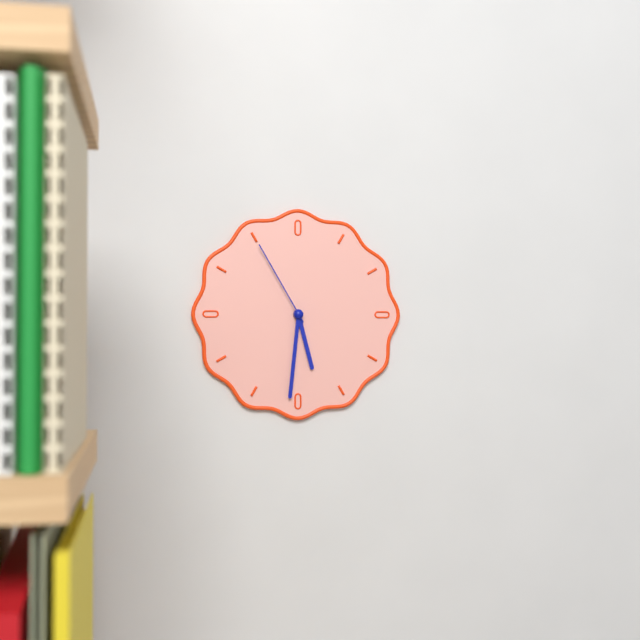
5:31:55
